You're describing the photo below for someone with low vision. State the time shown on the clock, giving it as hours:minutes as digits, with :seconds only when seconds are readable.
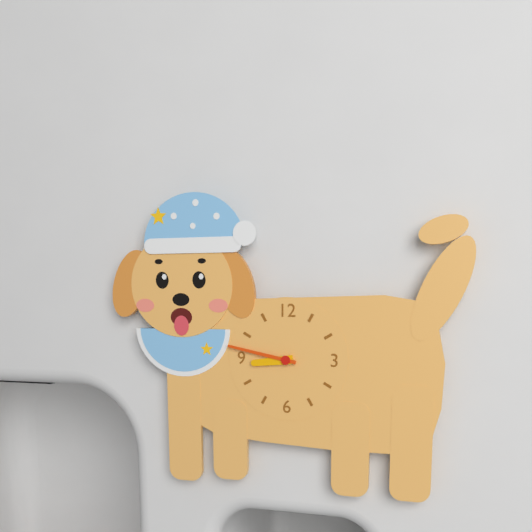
8:47
